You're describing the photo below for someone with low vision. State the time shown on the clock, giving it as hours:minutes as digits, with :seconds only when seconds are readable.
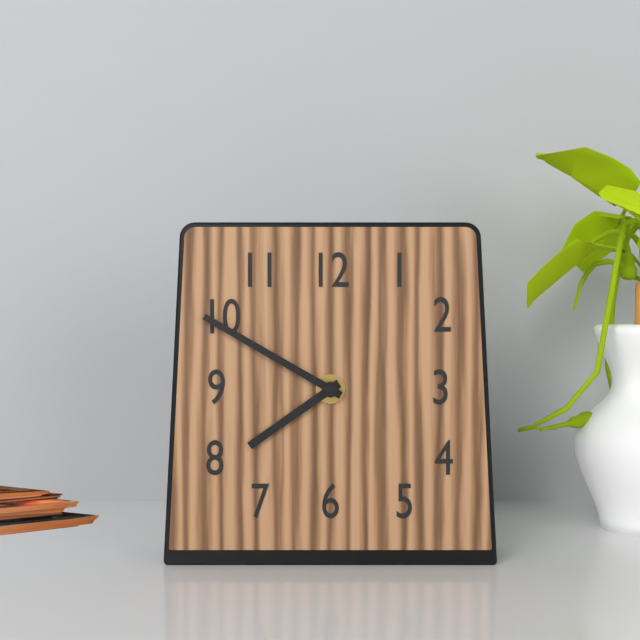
7:50
